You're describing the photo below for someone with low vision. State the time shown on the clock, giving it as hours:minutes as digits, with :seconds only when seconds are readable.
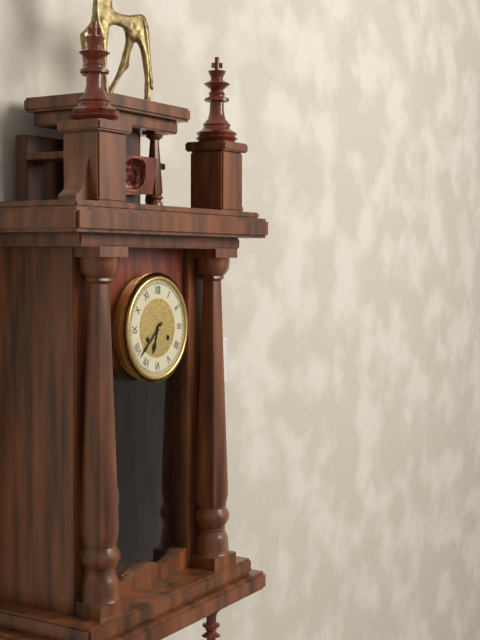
6:38
